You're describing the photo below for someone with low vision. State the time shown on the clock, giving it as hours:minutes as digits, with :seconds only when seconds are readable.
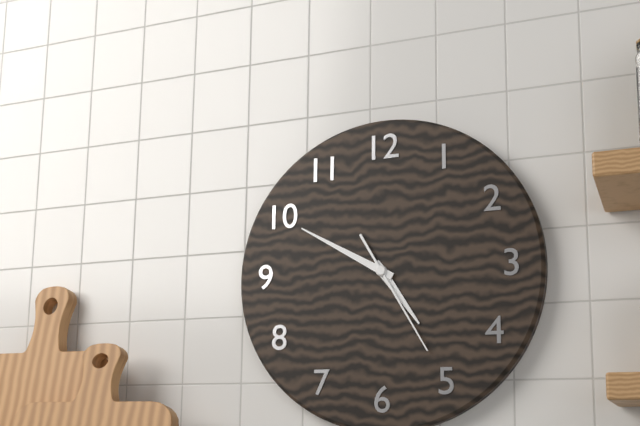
4:50:25
